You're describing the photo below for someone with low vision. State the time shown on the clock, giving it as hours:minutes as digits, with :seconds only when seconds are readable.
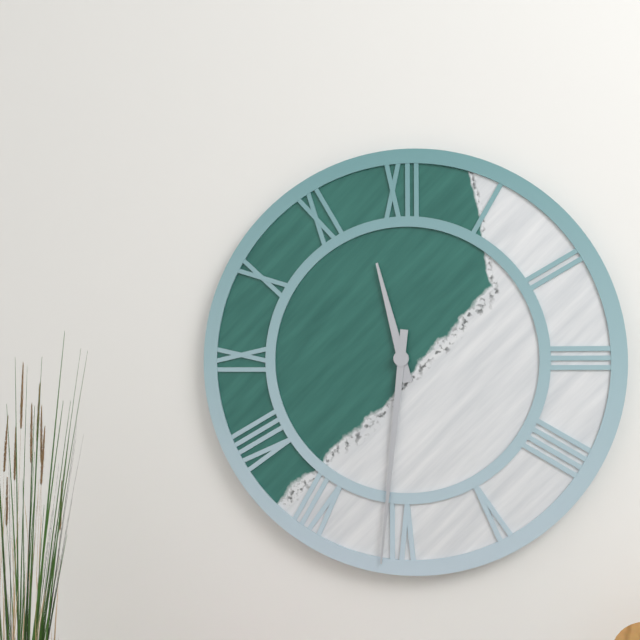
11:31
